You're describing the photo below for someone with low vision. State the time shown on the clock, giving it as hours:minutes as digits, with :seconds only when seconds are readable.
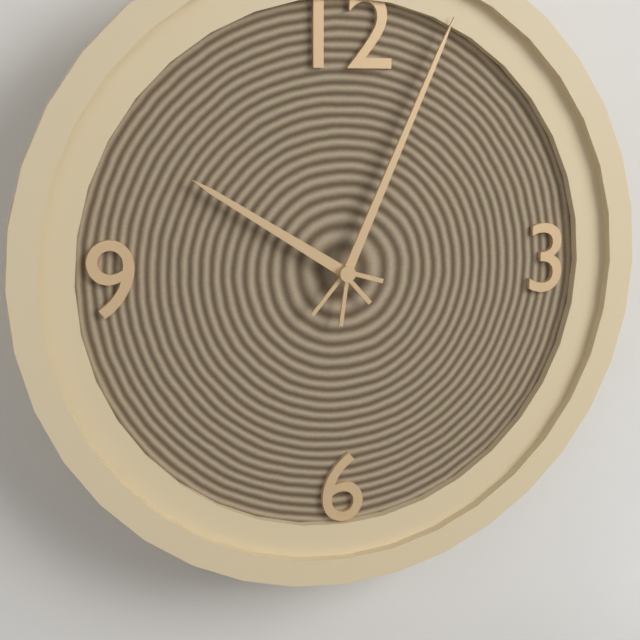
10:04
